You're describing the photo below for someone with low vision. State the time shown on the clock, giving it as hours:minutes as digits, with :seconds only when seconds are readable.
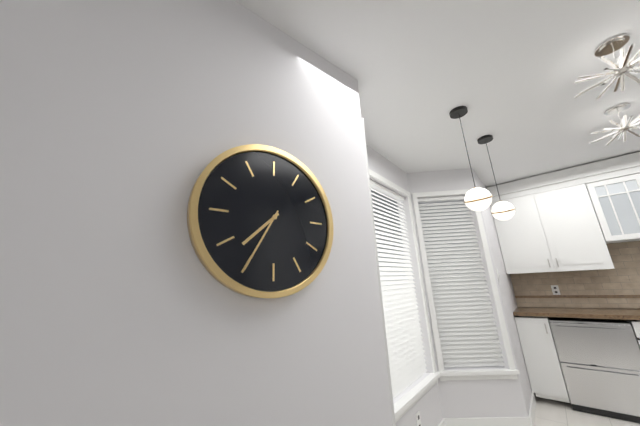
7:35
